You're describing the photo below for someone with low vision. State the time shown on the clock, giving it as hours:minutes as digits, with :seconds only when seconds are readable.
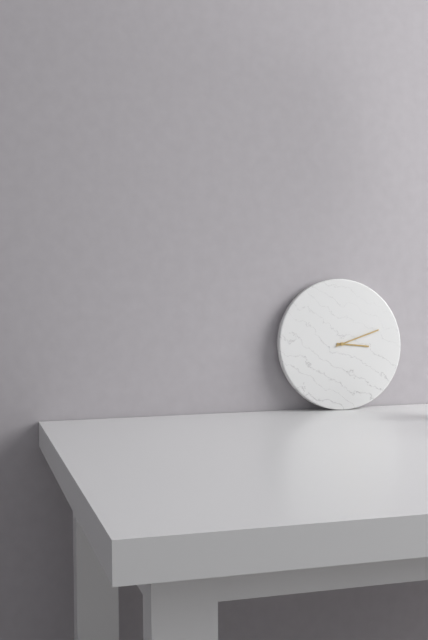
3:12
